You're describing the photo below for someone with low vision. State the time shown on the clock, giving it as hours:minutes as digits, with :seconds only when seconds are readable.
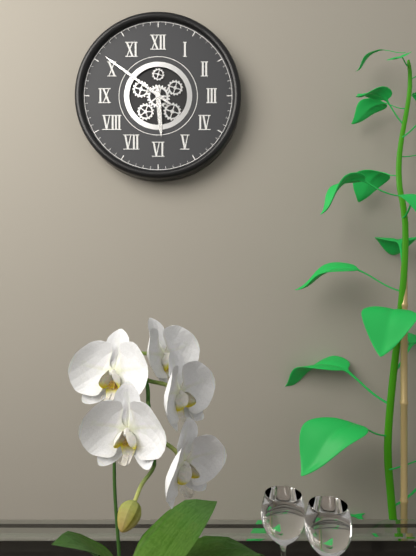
5:51
